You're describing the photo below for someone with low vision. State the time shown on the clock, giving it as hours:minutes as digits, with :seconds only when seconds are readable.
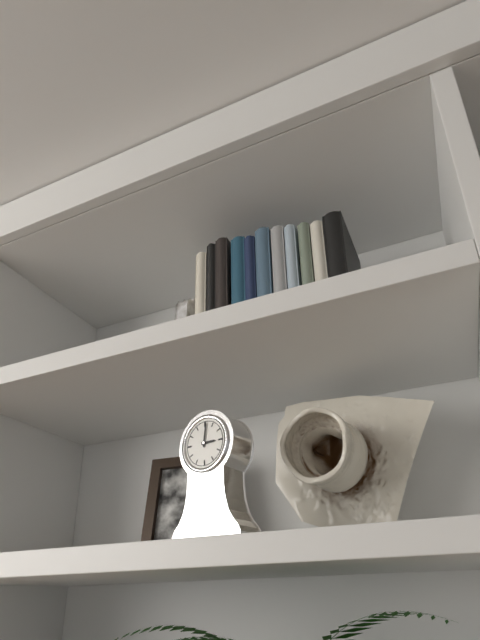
3:01
